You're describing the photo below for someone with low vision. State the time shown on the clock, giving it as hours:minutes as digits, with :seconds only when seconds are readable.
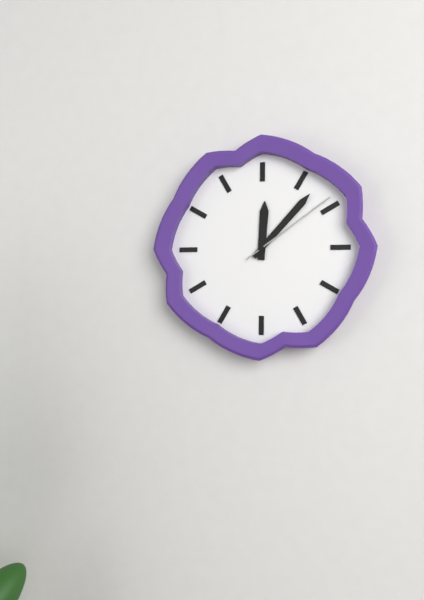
12:07:09
